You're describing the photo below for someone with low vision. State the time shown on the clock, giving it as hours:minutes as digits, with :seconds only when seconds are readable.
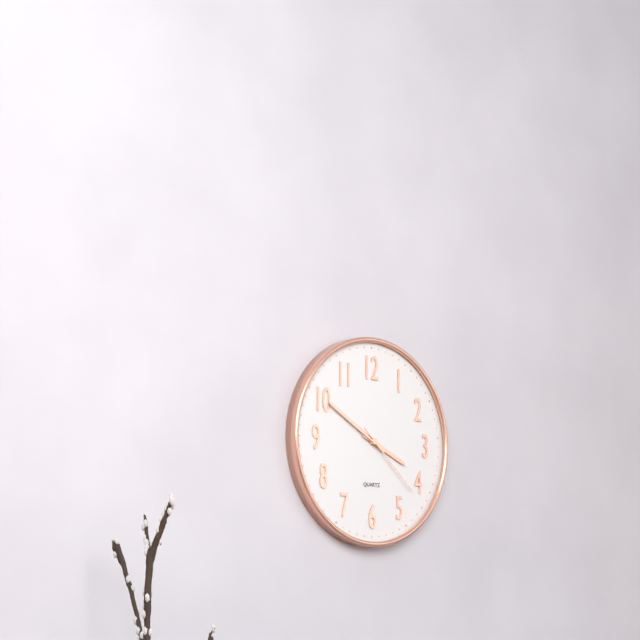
3:50:22
